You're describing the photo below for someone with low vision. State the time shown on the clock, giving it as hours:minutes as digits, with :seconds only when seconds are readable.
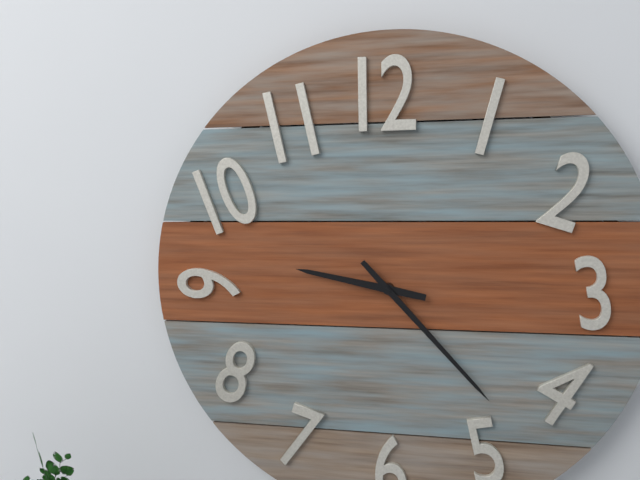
9:23
